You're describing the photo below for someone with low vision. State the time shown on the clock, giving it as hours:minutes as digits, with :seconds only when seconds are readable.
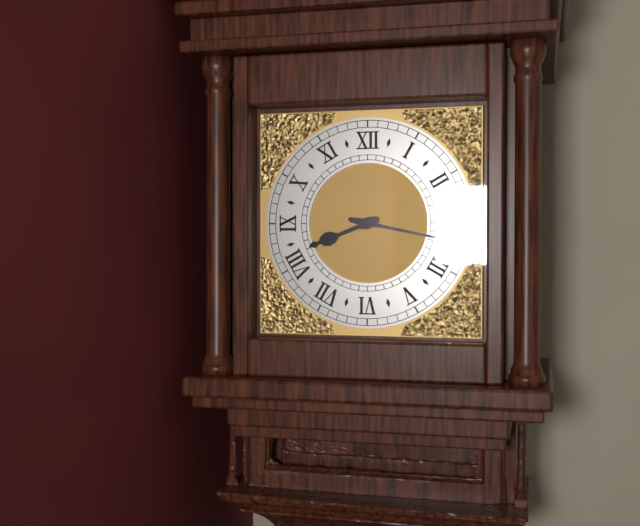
8:17
